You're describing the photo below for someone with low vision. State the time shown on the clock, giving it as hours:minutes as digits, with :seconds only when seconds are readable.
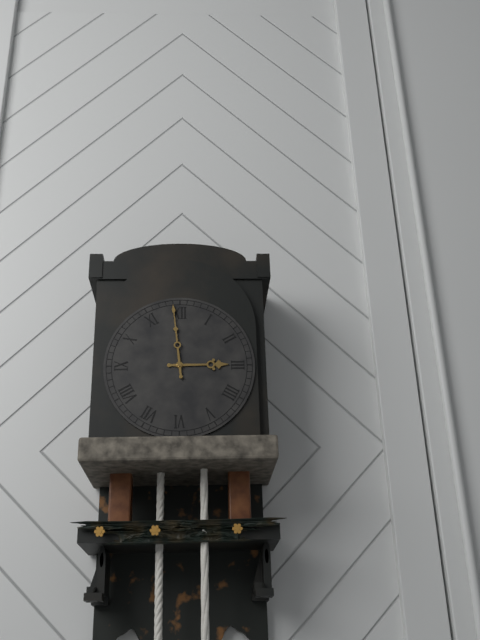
2:59
